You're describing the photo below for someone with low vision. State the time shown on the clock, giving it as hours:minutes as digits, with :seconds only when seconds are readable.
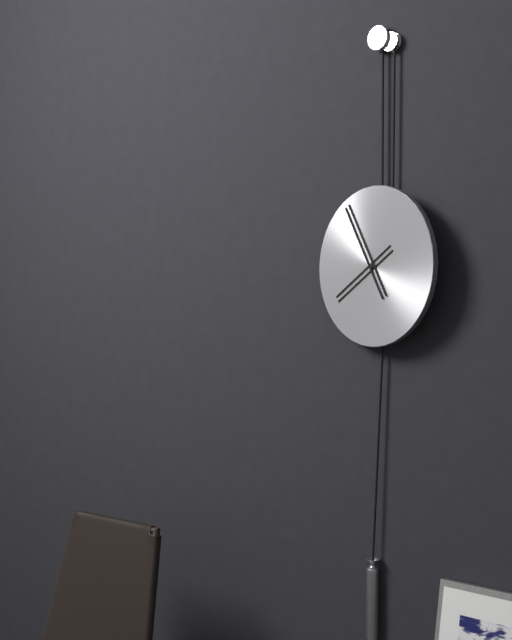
7:55
